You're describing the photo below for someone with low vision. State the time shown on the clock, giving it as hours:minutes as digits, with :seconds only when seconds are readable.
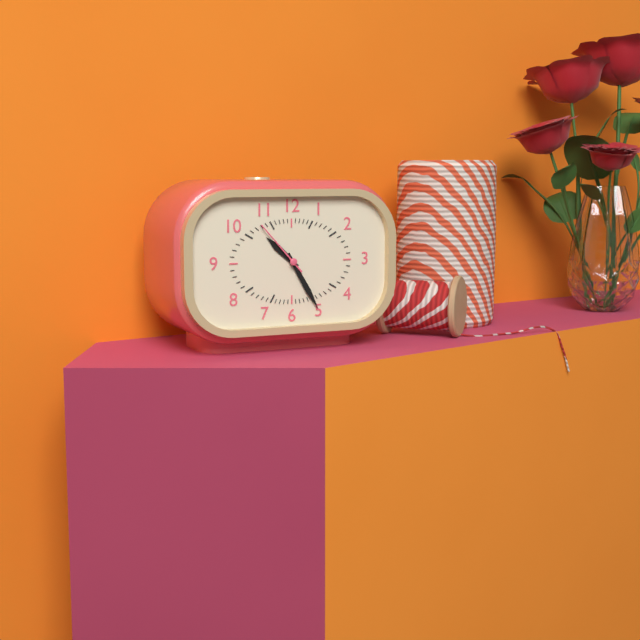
10:25:53
